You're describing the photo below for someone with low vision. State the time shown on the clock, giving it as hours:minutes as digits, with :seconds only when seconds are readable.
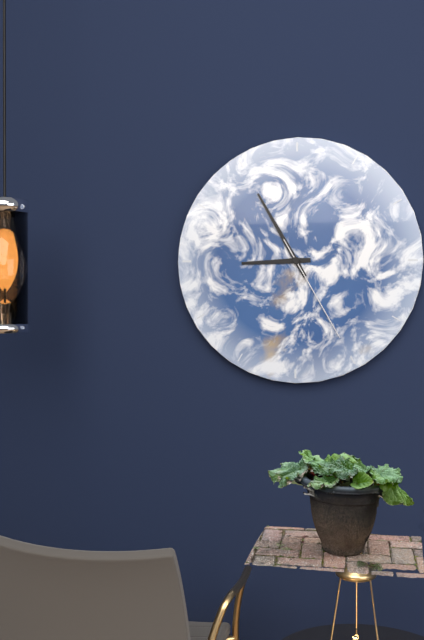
8:55:25
